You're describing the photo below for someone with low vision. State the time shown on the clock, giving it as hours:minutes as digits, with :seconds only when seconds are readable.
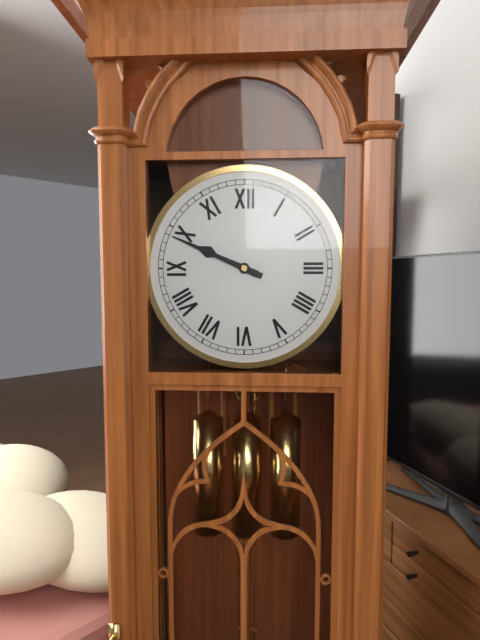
9:49
